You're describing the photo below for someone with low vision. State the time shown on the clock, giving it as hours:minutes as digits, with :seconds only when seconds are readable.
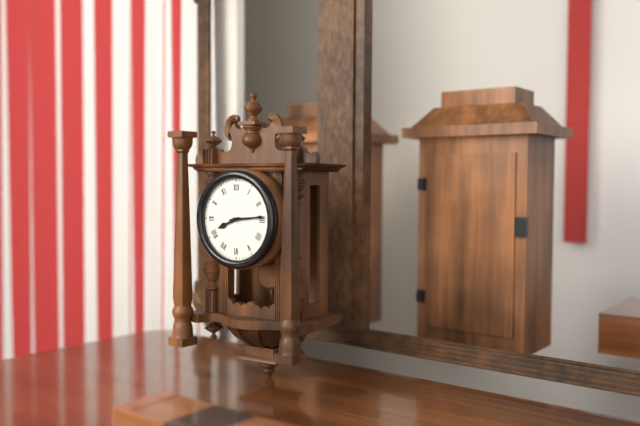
8:14
